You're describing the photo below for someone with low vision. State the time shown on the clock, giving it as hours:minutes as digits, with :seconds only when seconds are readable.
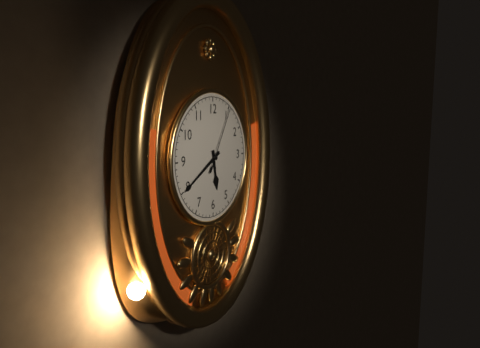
5:40:05
